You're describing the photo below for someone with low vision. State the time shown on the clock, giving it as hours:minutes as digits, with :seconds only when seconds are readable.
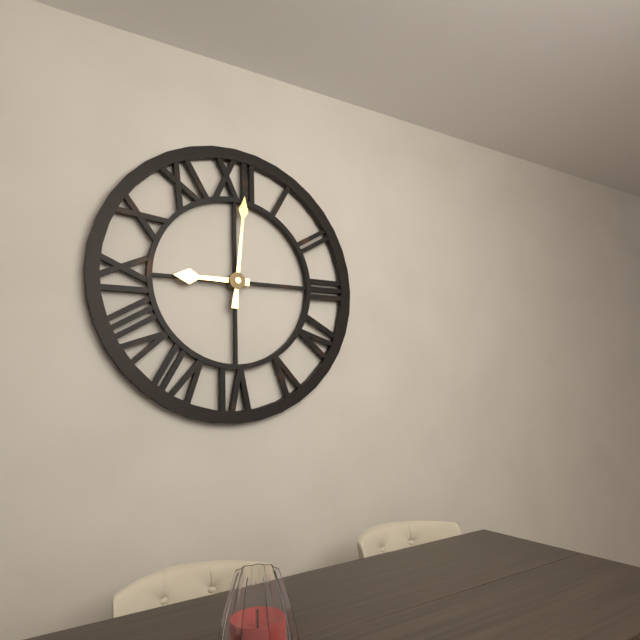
9:01
